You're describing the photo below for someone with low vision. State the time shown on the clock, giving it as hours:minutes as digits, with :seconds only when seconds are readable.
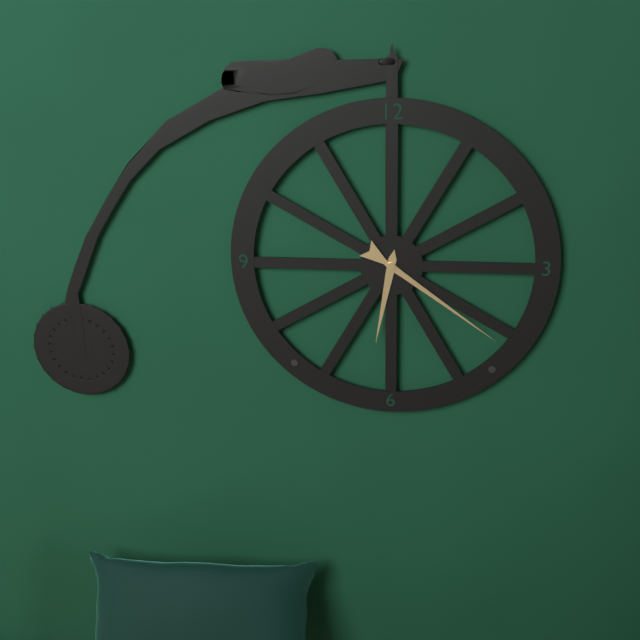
6:21
